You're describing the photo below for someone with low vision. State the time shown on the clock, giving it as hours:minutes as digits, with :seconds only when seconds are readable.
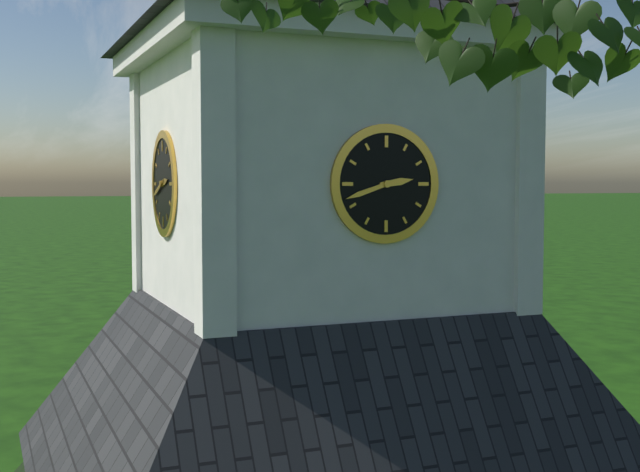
2:42
